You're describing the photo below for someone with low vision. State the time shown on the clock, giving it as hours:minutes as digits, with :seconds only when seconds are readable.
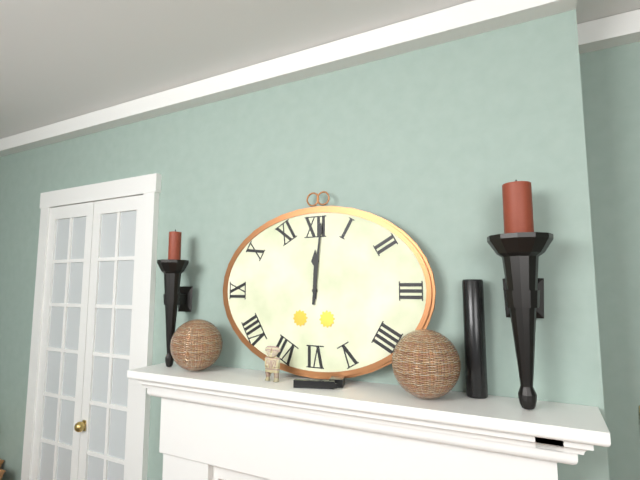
12:01
